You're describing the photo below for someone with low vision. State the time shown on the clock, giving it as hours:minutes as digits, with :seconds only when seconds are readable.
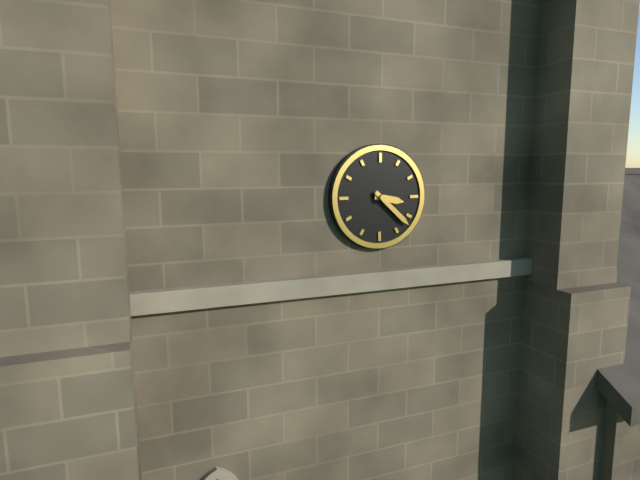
3:22
